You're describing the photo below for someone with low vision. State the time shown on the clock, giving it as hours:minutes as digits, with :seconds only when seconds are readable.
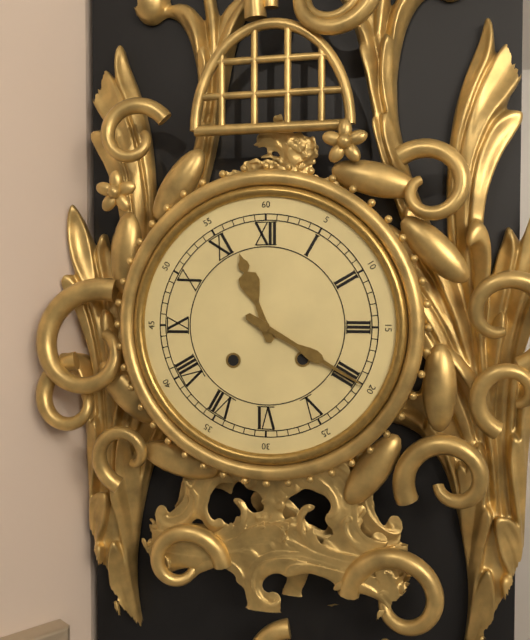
11:20
